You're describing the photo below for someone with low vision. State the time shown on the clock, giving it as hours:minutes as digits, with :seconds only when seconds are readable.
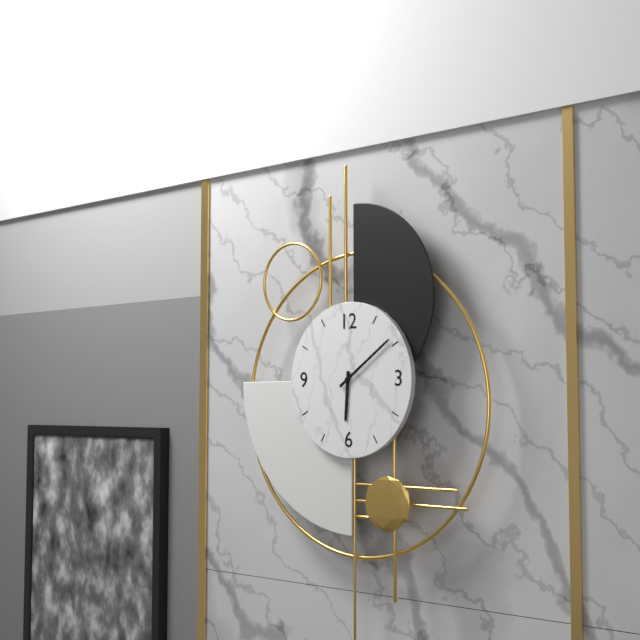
6:09
